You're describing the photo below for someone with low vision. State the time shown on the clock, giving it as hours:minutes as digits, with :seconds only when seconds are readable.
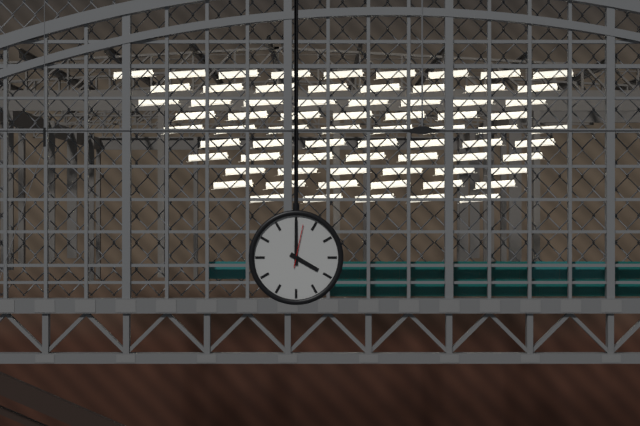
4:00
